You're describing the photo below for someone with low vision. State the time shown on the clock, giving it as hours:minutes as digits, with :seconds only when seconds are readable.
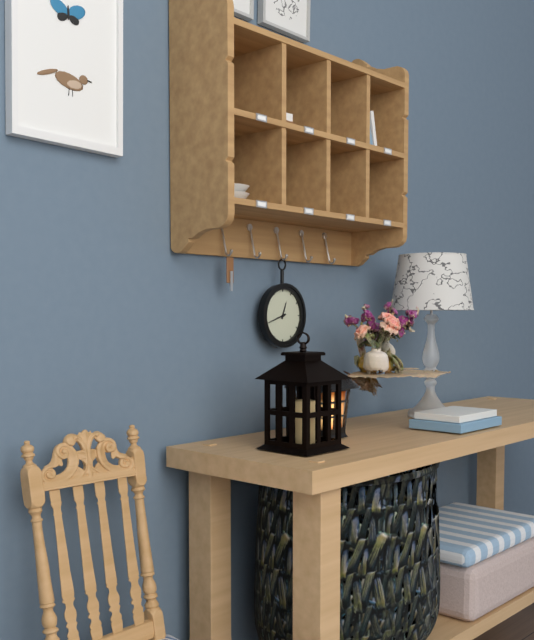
12:42
